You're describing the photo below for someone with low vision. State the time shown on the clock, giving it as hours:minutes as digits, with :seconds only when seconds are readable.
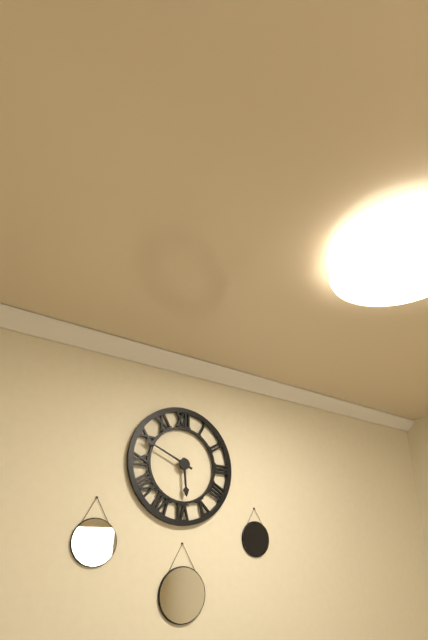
5:49
